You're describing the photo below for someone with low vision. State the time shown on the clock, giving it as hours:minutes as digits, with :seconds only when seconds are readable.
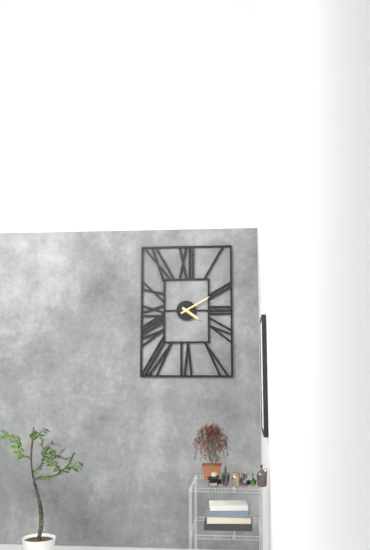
4:10
